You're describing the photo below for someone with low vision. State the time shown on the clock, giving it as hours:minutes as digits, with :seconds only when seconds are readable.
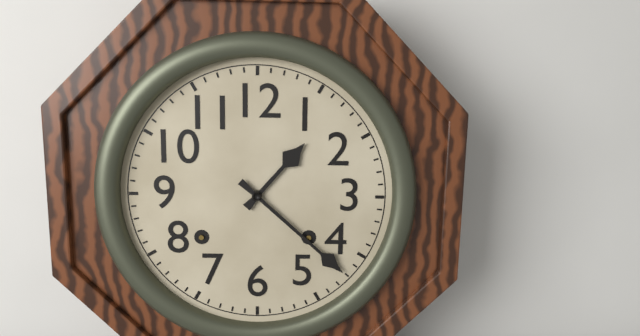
1:22
